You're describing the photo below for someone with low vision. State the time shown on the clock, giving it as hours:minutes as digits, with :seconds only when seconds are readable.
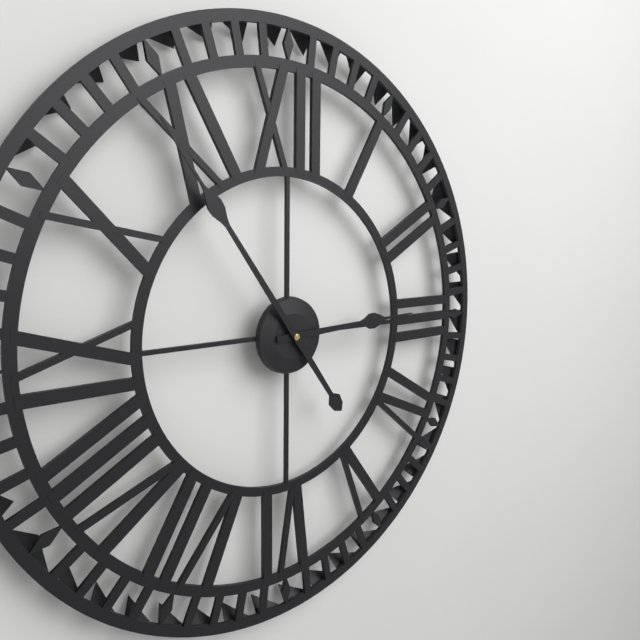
2:54
